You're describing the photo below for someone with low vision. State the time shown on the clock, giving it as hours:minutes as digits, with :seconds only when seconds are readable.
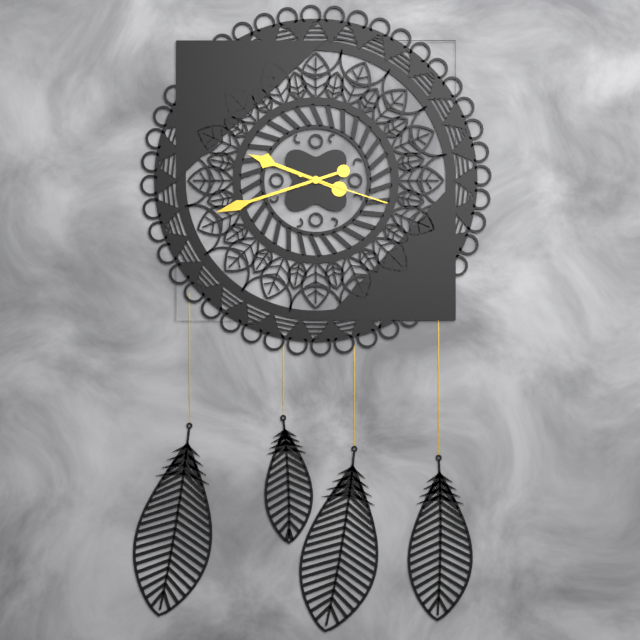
9:42:18
